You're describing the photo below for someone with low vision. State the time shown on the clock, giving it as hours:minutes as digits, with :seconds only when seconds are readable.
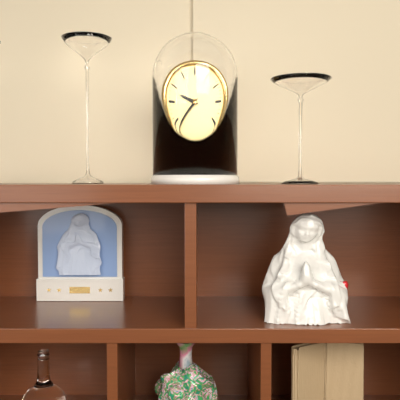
9:38
